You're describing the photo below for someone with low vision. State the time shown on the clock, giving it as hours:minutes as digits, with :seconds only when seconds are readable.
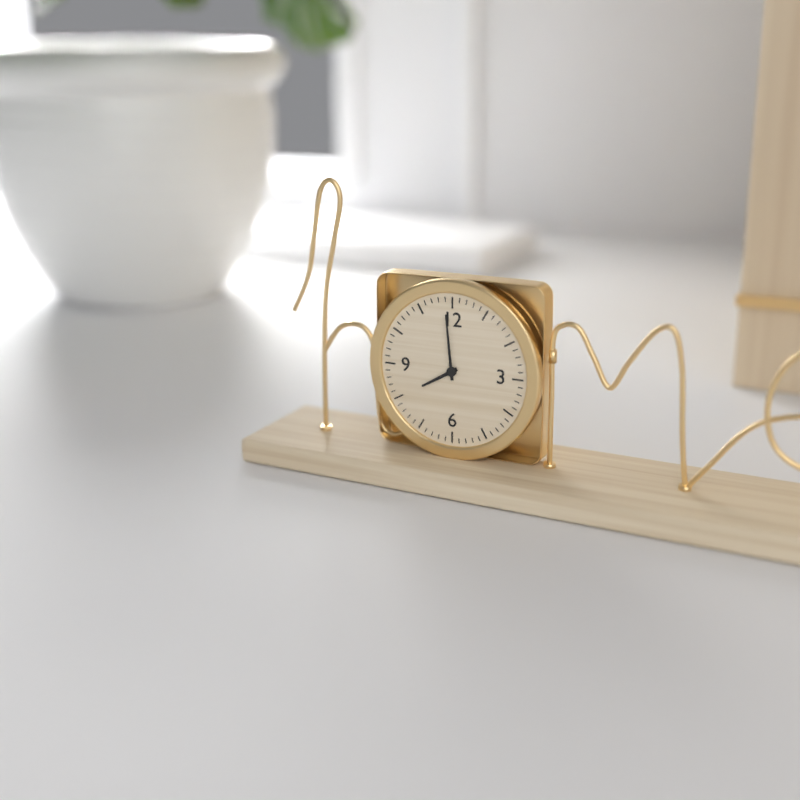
7:59
